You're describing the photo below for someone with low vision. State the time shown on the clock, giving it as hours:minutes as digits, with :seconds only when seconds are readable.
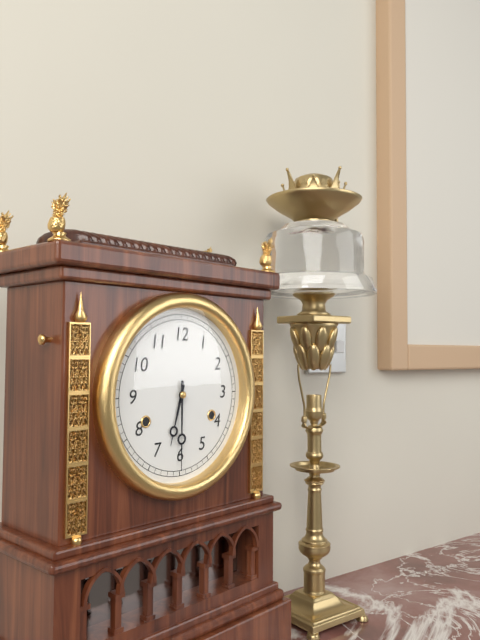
6:30
